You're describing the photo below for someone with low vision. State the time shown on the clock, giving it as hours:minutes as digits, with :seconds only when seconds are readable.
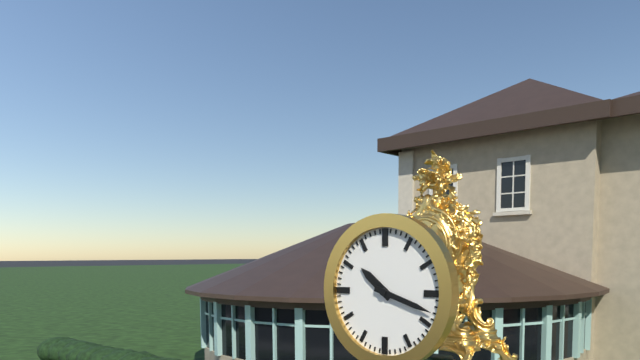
10:18
